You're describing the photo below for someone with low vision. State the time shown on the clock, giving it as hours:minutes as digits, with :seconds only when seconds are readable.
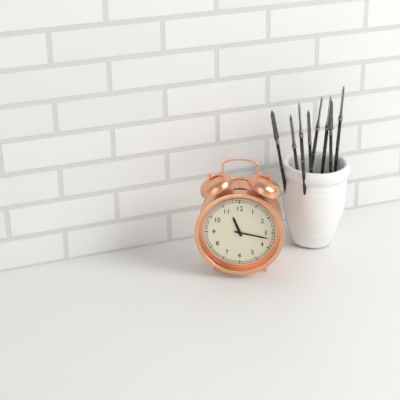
11:17
